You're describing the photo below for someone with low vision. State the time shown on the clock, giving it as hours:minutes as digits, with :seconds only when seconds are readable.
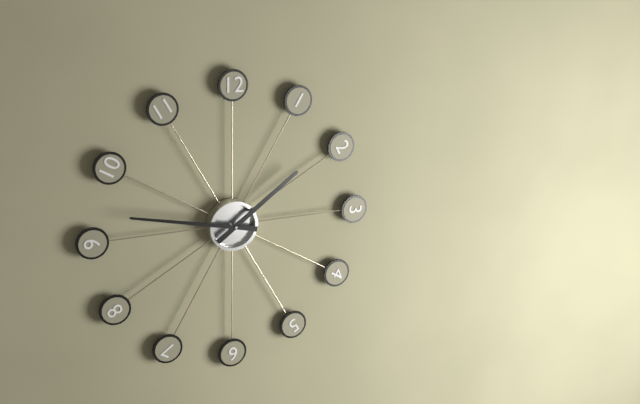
1:47
